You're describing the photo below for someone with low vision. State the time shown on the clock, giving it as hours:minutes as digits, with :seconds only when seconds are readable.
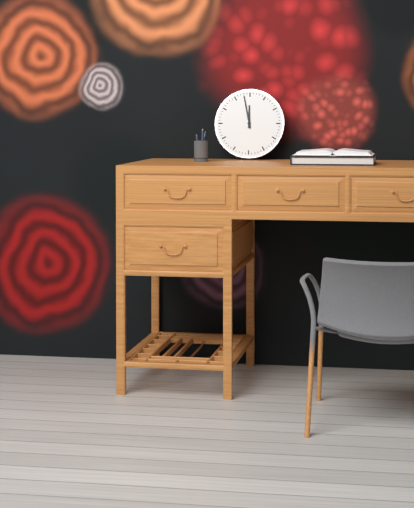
11:58
